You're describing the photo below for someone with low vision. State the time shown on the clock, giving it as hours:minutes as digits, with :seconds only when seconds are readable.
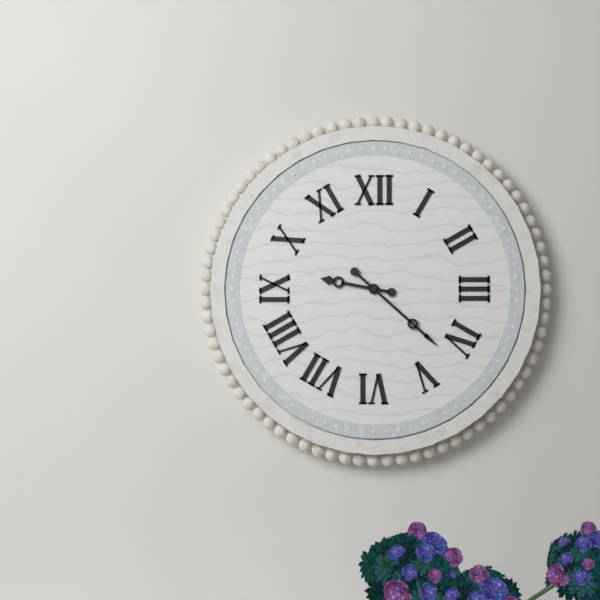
9:22
